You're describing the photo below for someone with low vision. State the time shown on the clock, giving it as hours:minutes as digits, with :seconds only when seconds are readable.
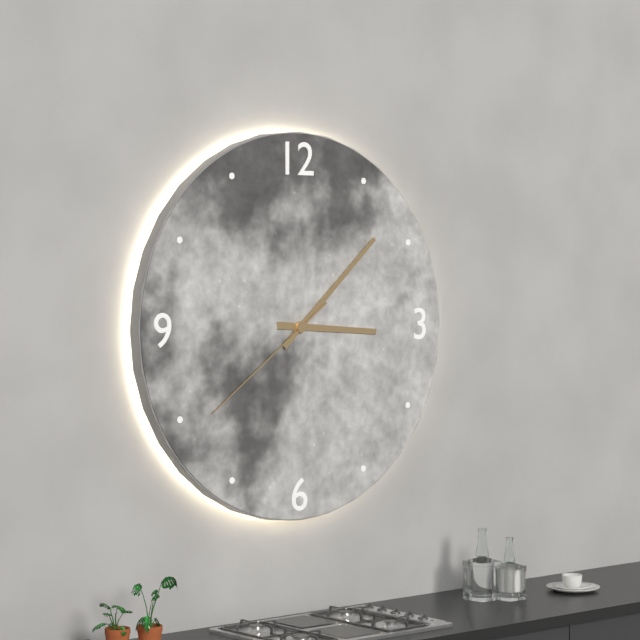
3:08:39
